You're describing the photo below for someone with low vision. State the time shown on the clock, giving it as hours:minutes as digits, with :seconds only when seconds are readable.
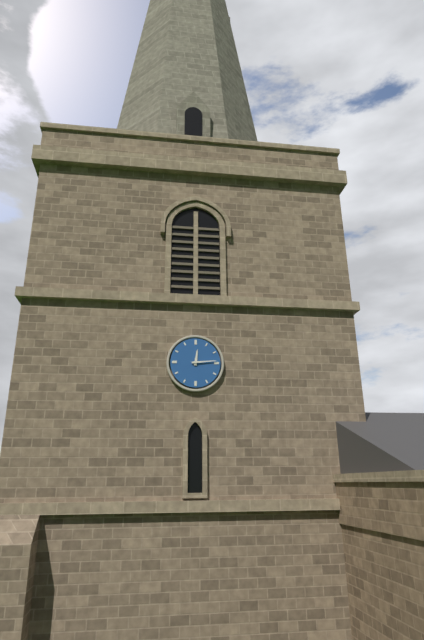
12:14
